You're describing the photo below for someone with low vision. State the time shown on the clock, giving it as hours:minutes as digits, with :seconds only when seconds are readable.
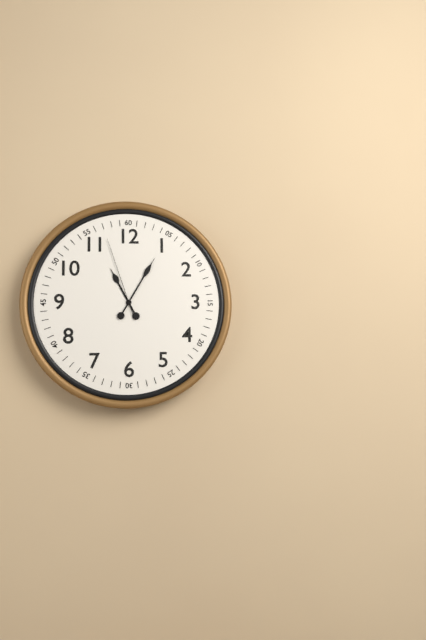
11:05:57
